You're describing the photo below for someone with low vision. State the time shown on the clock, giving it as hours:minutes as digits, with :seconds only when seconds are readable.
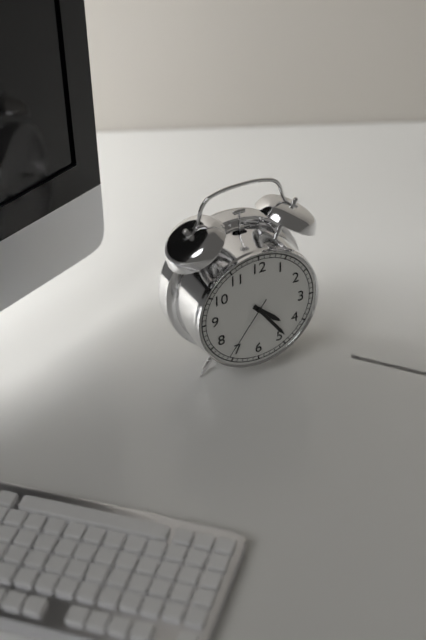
4:24:36
